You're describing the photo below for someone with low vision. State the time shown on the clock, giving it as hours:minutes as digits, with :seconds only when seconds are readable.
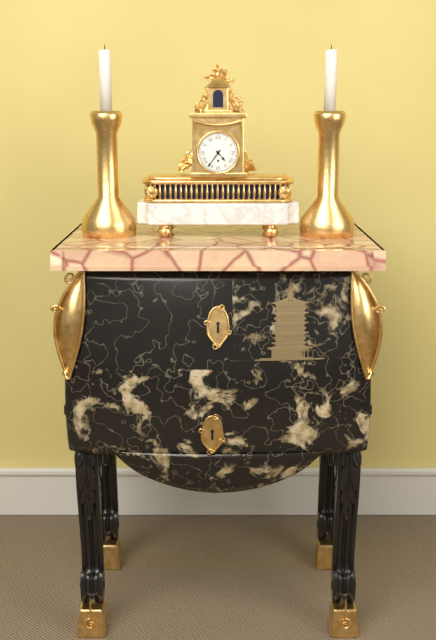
4:36
